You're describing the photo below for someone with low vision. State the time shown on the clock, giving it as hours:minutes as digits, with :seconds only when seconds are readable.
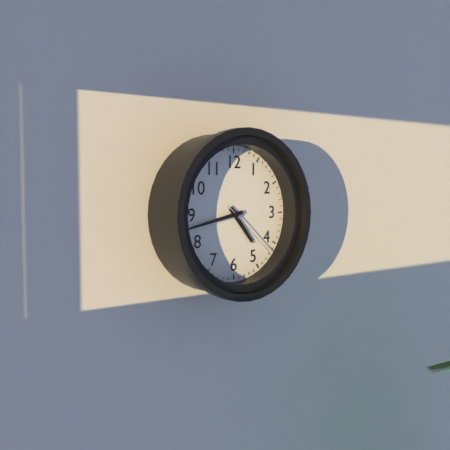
4:43:22
